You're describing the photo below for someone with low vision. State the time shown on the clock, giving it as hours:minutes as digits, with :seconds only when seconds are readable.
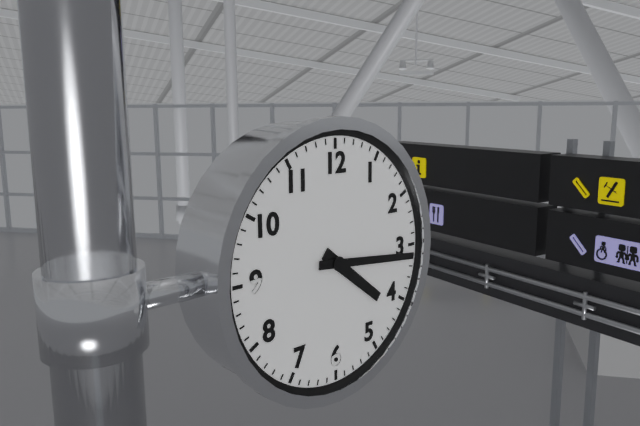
4:16
